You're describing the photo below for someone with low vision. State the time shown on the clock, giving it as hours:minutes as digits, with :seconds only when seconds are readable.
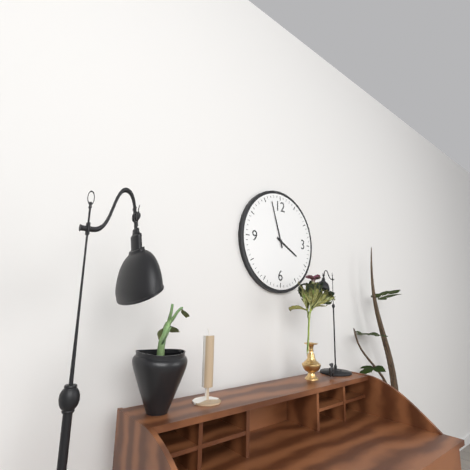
3:57
